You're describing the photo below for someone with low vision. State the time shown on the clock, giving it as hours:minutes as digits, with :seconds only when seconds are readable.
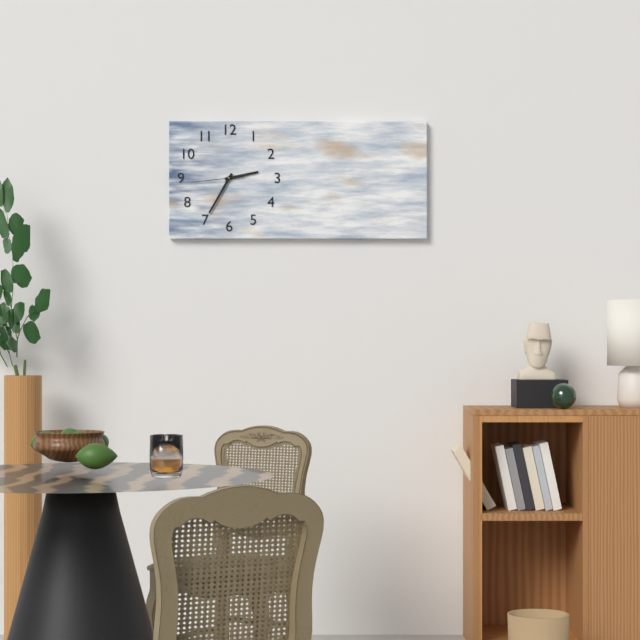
2:35
